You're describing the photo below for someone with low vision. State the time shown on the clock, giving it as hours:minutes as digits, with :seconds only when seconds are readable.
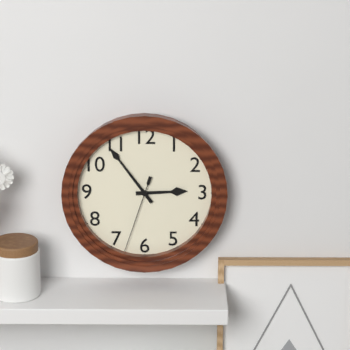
2:54:33
